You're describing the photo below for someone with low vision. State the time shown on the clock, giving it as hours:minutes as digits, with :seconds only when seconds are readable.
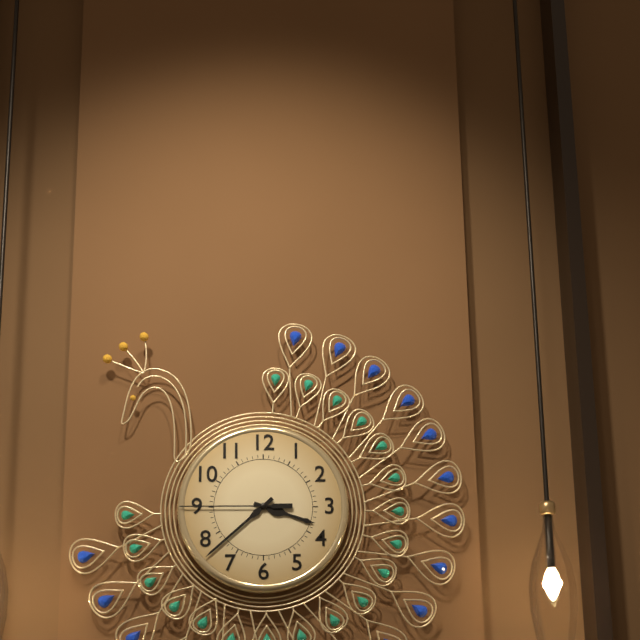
3:38:45
